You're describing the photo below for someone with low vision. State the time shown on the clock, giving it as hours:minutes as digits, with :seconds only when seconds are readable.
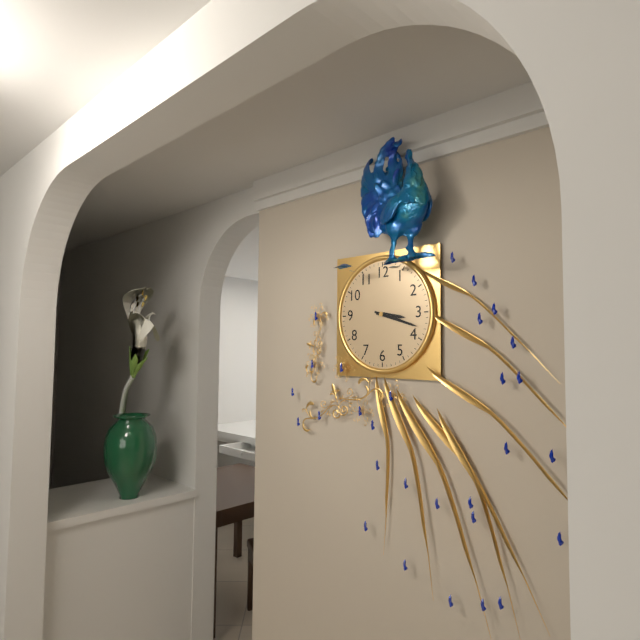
3:18
